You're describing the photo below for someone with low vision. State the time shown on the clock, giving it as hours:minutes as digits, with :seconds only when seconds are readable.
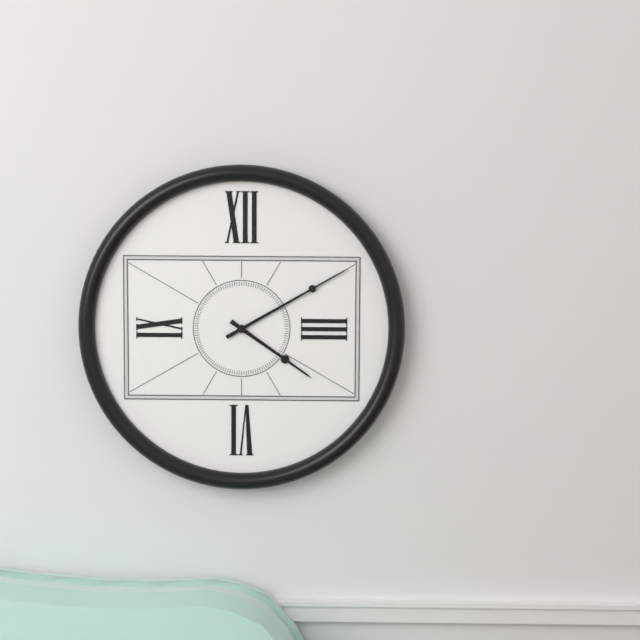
4:10
